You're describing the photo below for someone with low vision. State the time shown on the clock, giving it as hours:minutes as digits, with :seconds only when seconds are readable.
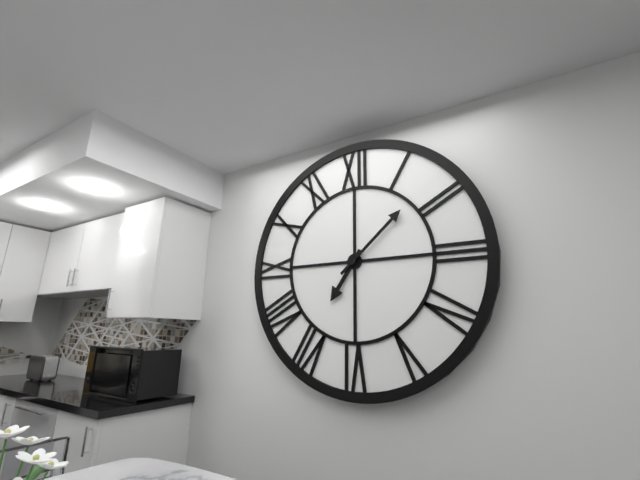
7:08
